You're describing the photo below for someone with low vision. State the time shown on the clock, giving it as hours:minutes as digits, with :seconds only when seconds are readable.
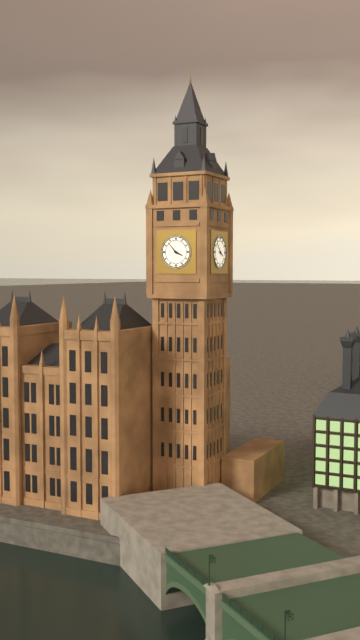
3:53
